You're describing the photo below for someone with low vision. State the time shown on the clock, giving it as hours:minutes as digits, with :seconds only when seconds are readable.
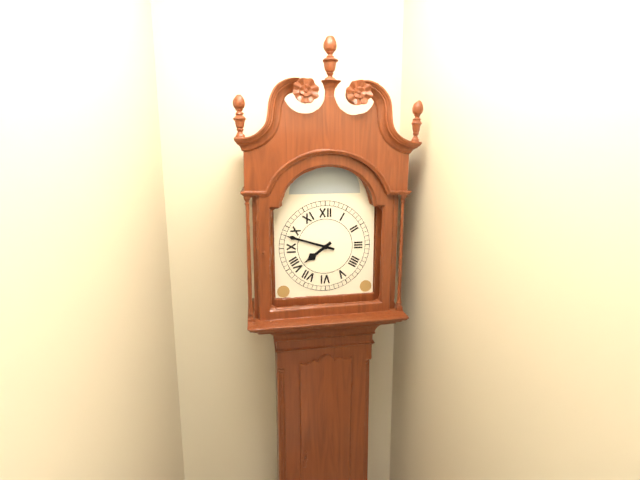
7:48
